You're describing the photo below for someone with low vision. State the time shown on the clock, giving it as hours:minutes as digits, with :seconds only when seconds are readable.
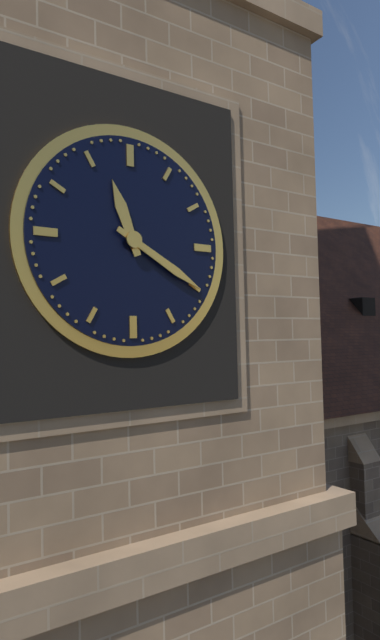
11:20
